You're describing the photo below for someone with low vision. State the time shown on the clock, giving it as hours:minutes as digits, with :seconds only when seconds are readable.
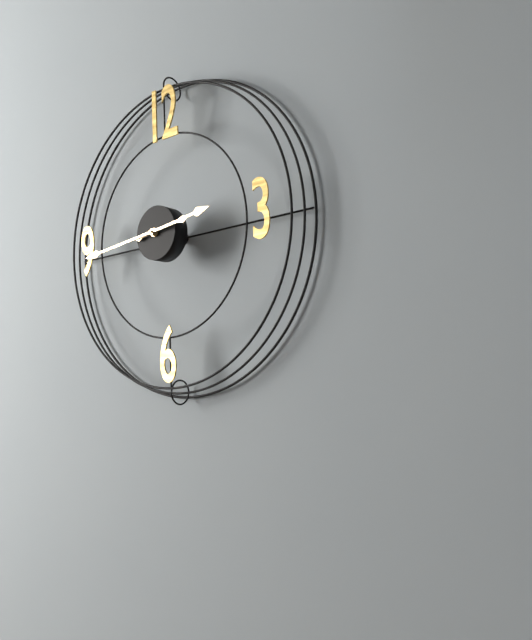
2:44
